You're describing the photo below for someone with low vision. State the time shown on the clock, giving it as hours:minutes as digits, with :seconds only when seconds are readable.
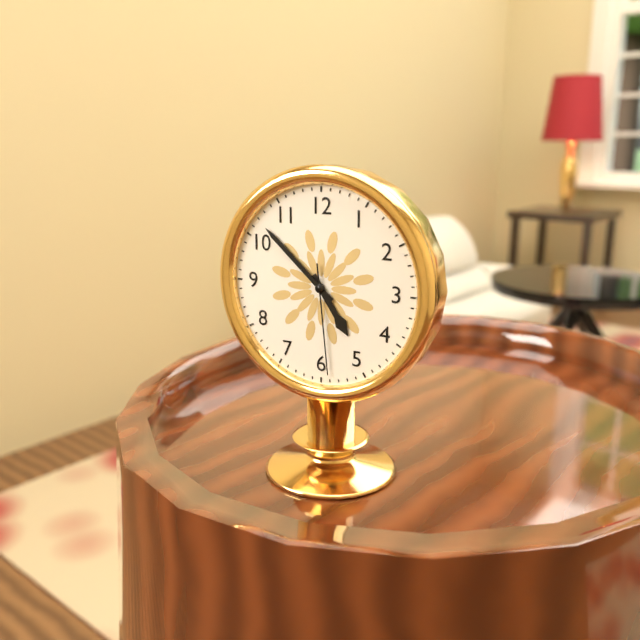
4:52:29
